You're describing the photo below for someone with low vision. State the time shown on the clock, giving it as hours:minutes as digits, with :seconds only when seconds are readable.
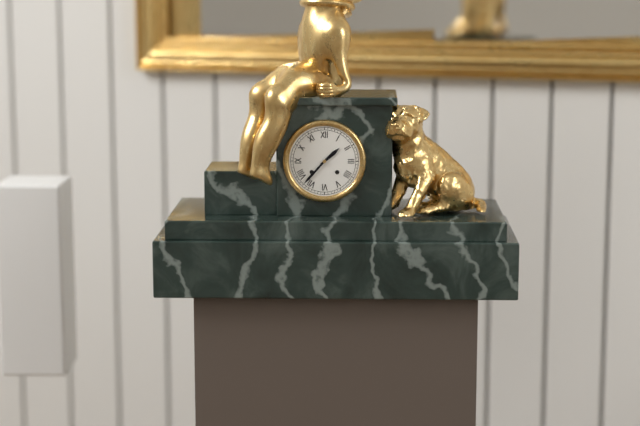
1:37
